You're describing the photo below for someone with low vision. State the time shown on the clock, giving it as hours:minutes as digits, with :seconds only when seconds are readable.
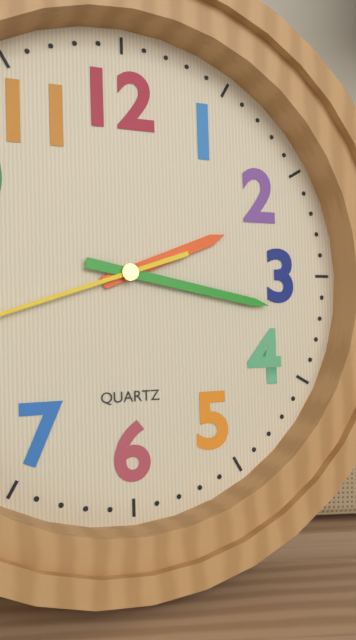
2:17
